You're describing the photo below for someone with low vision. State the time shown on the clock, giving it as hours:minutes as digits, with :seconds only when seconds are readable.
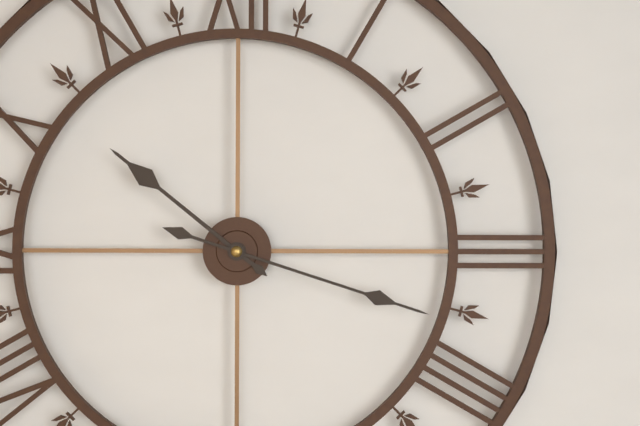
10:18
